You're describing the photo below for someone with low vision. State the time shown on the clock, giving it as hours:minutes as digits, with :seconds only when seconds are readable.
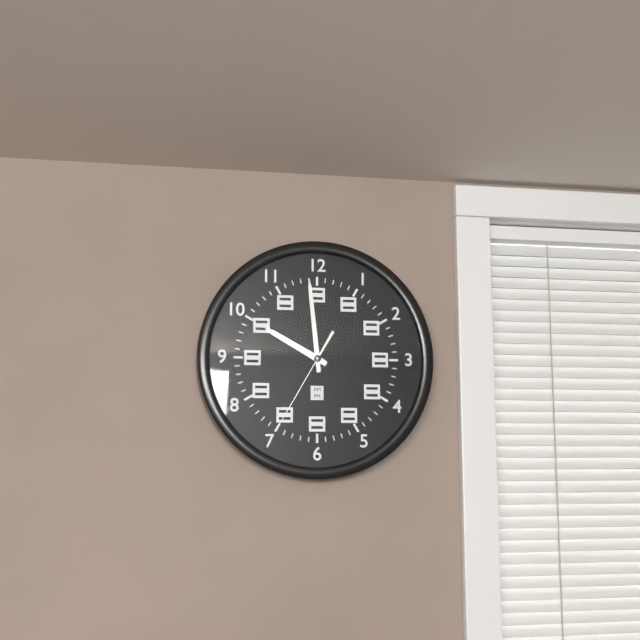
9:59:35
